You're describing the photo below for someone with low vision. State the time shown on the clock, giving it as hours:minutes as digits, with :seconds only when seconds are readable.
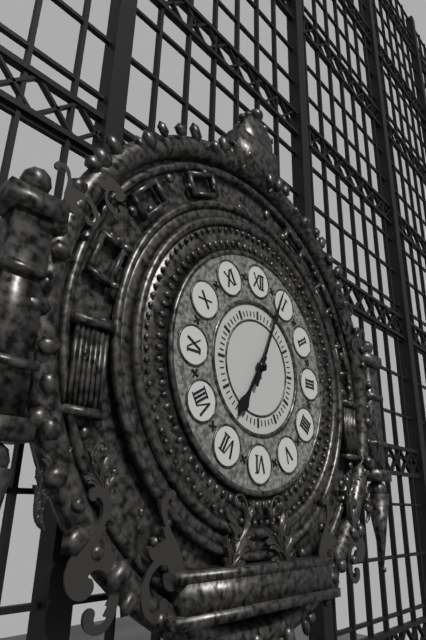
7:04
